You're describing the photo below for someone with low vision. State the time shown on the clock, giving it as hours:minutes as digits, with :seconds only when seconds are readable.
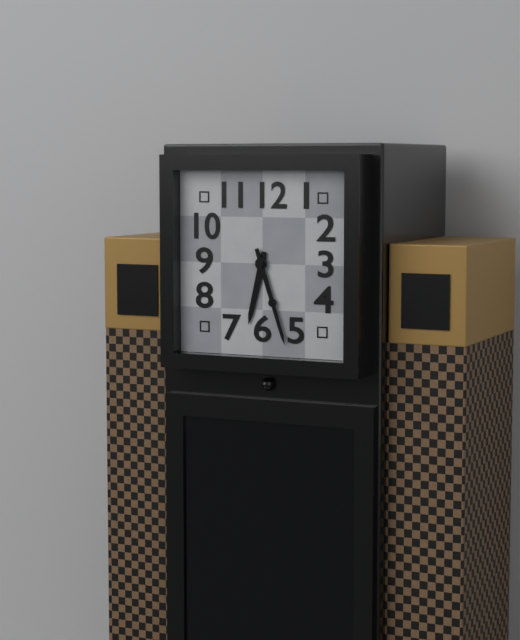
6:27
